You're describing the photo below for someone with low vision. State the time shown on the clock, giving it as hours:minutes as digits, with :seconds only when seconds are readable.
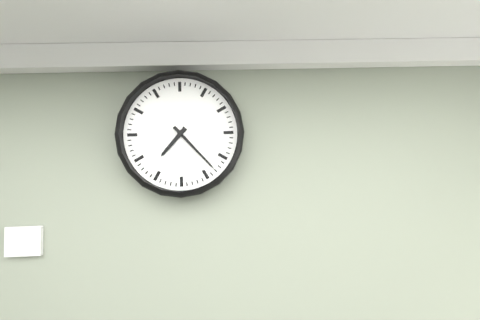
7:23
